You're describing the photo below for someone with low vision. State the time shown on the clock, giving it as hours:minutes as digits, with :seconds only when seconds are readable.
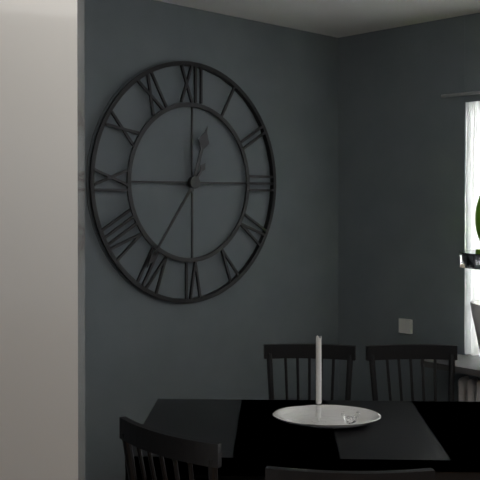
12:36
